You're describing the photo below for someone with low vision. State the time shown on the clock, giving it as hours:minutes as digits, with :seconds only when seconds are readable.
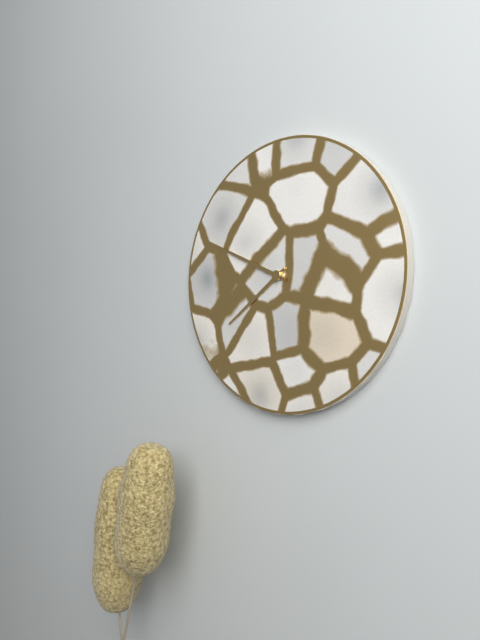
7:49
